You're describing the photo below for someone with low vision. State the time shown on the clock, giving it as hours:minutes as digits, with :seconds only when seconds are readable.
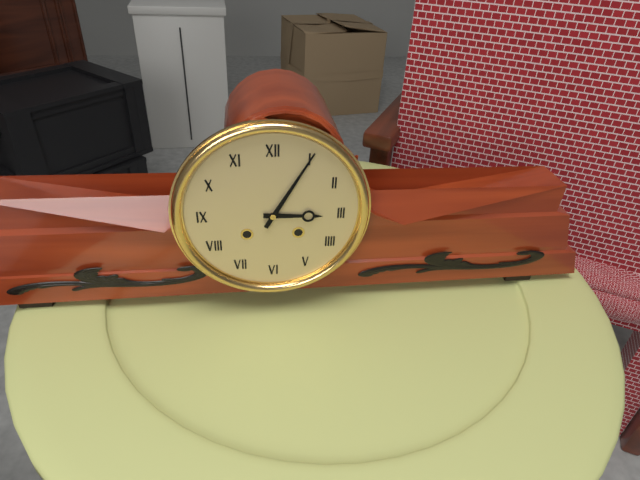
3:05
